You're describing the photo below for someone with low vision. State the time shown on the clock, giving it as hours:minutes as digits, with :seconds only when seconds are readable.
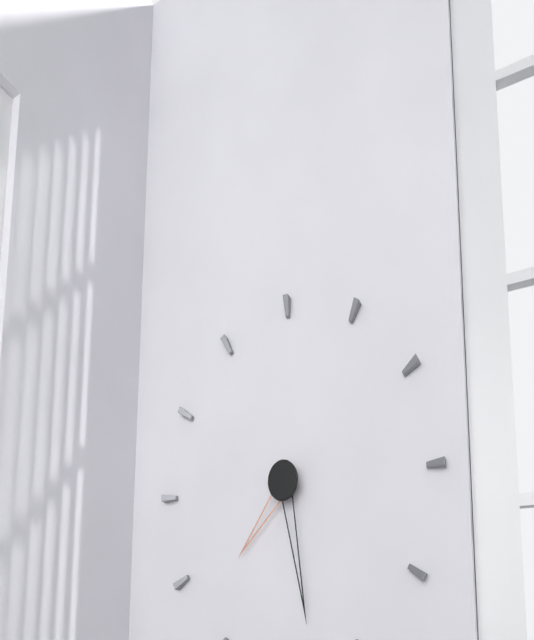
7:28
